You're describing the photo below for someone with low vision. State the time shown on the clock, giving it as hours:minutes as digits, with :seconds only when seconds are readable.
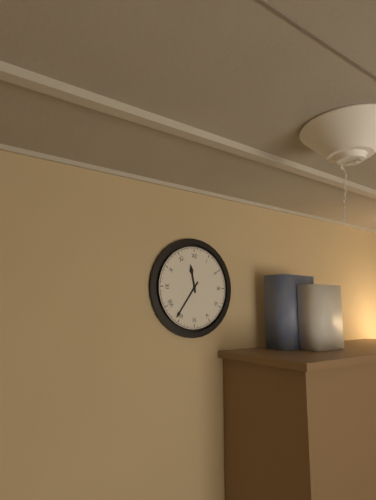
11:36
